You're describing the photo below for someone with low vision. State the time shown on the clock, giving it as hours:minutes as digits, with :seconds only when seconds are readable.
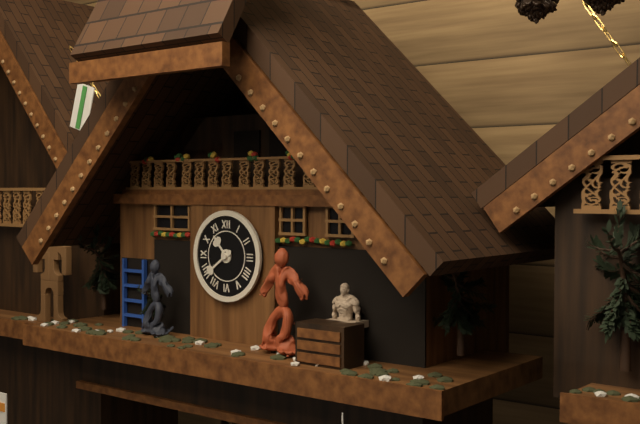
10:39
